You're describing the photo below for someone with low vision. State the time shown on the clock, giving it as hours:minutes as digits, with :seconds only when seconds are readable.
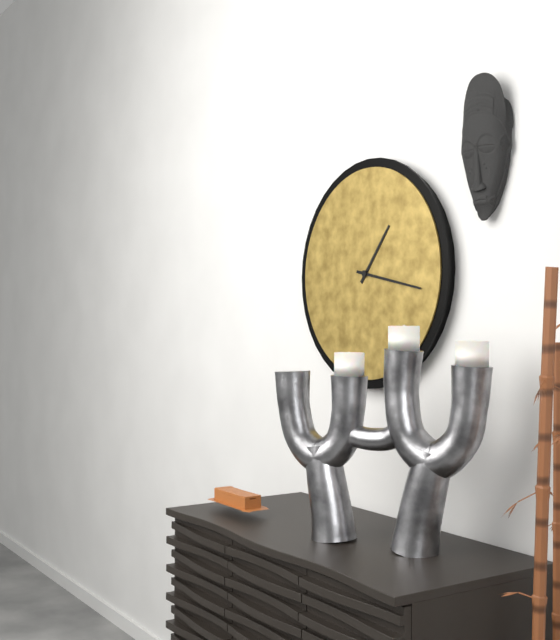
1:17
